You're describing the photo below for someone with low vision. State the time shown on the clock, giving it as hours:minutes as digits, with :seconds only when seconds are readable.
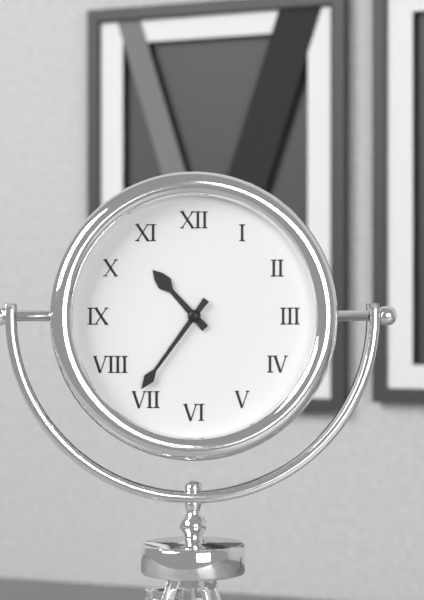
10:36
